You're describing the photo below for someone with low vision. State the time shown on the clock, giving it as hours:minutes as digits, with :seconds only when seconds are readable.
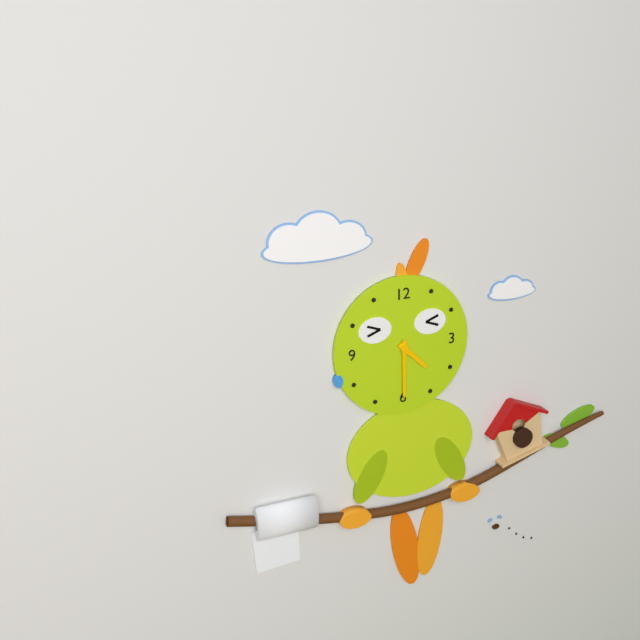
4:30
